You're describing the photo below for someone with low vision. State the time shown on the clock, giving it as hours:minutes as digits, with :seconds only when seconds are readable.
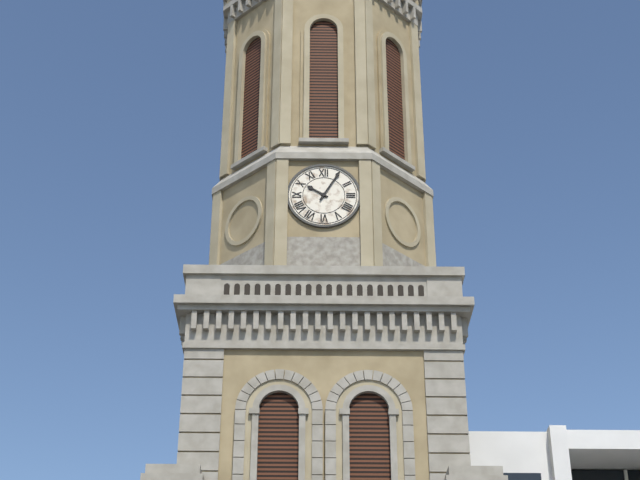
10:05
